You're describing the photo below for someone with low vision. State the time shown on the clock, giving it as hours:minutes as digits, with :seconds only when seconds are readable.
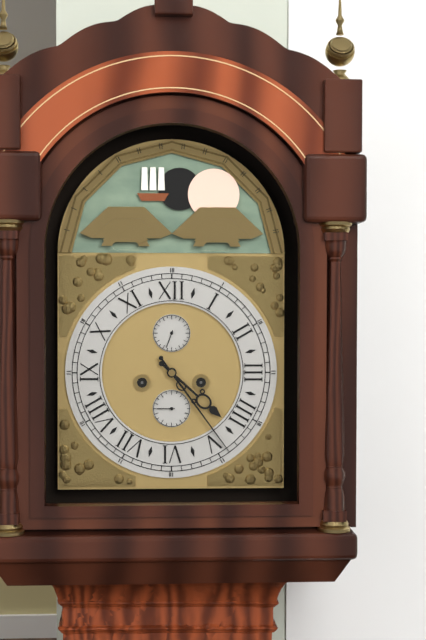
4:24
